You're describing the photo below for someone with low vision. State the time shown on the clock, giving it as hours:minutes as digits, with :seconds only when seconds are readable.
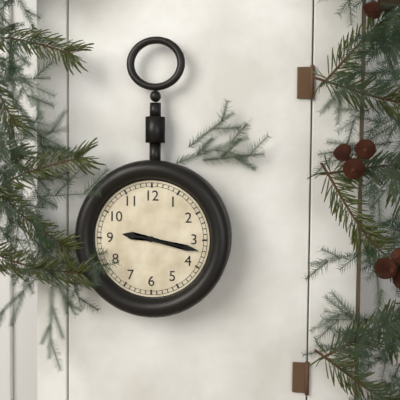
9:17
